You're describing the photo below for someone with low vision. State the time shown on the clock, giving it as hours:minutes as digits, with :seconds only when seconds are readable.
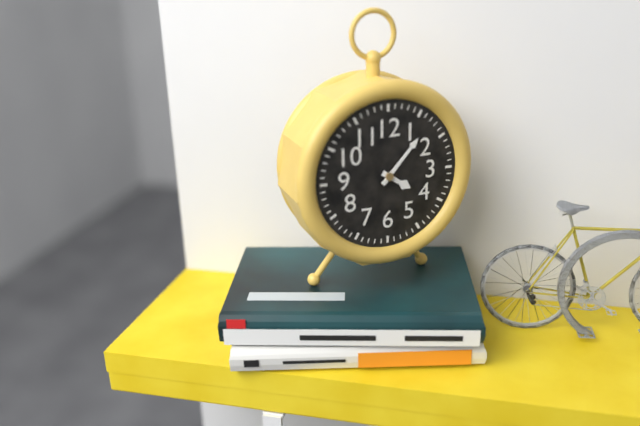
4:07
